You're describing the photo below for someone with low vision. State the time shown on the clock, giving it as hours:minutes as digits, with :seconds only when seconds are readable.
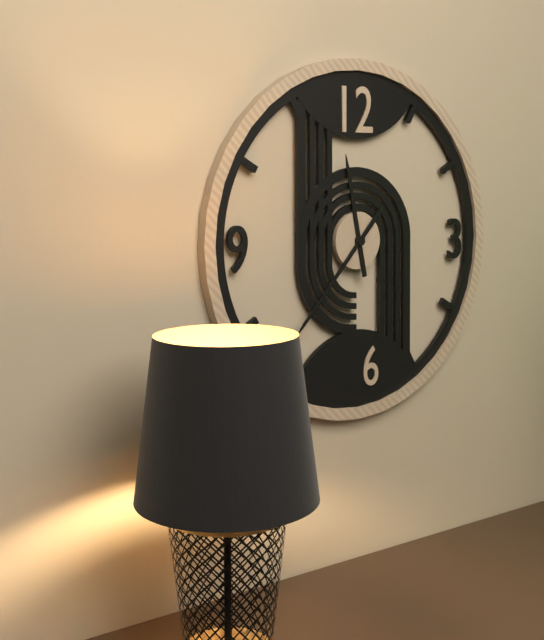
11:37
